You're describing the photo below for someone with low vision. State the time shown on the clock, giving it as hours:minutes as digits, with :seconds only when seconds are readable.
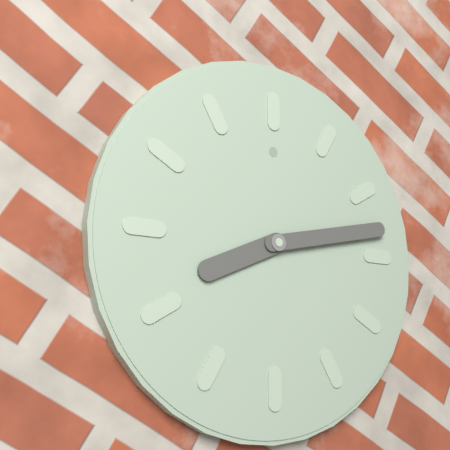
8:13
